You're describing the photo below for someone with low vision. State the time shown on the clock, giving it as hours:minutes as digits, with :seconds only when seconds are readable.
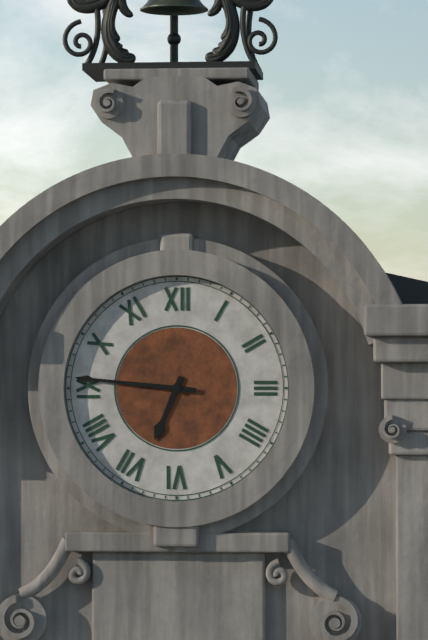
6:46
